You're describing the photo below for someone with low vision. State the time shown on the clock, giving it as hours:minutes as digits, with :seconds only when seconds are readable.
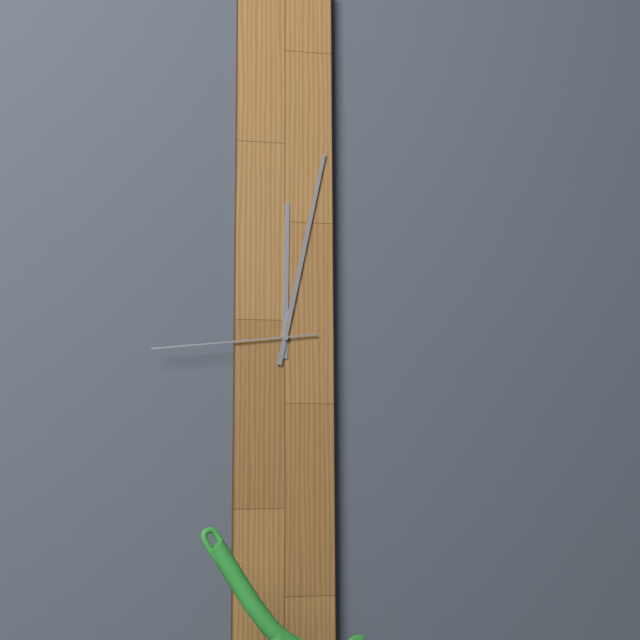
12:02:44
